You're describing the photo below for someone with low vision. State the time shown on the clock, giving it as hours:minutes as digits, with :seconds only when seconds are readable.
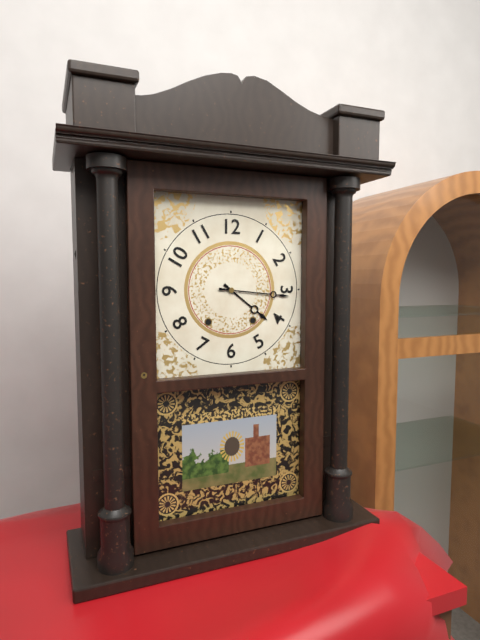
4:16
